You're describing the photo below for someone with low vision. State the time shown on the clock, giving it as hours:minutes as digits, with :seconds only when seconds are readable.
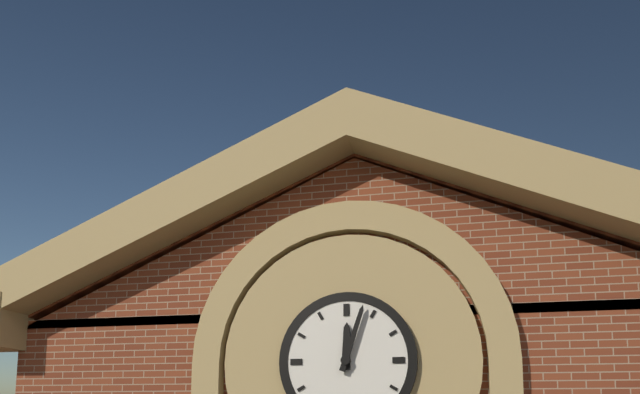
12:03
